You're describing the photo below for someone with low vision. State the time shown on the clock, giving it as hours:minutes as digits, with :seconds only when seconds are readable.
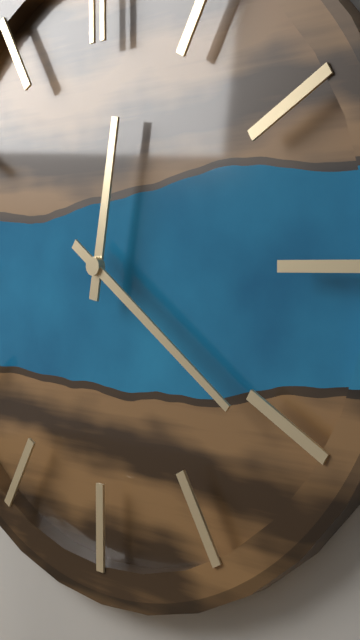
12:21
